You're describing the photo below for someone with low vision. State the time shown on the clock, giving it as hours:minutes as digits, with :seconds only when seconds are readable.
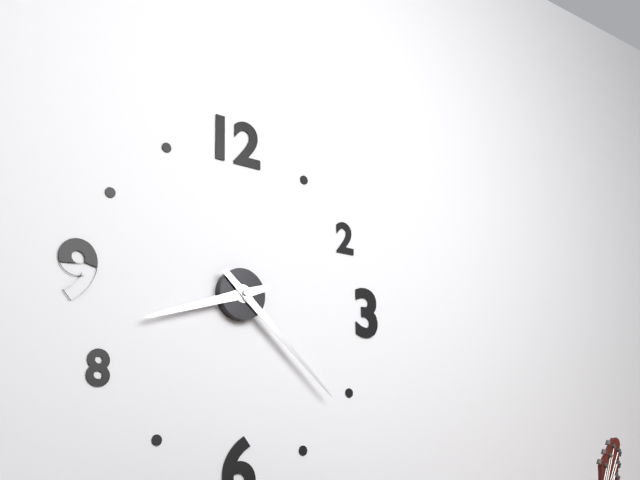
8:22
